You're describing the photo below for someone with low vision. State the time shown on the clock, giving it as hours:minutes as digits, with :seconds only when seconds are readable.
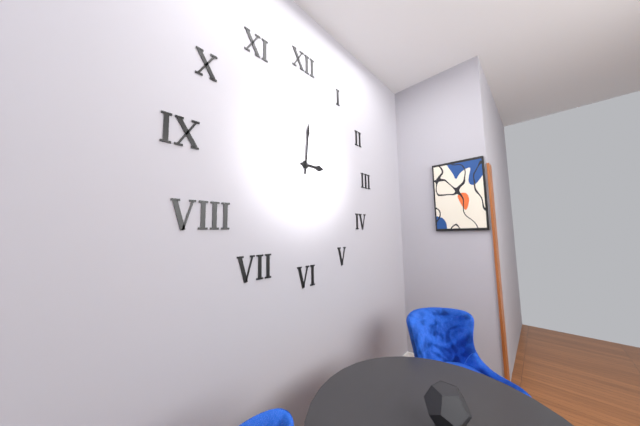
3:01
